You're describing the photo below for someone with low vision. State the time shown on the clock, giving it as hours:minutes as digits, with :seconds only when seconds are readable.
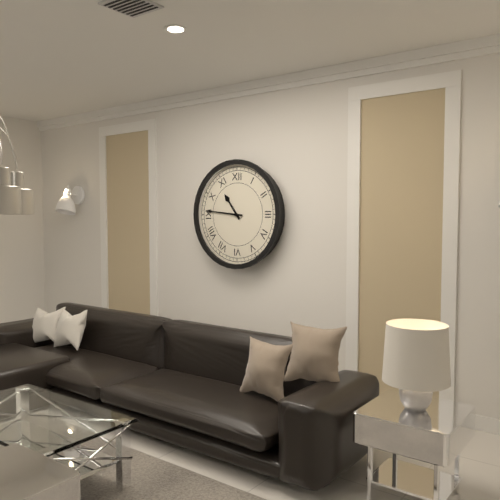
10:46
